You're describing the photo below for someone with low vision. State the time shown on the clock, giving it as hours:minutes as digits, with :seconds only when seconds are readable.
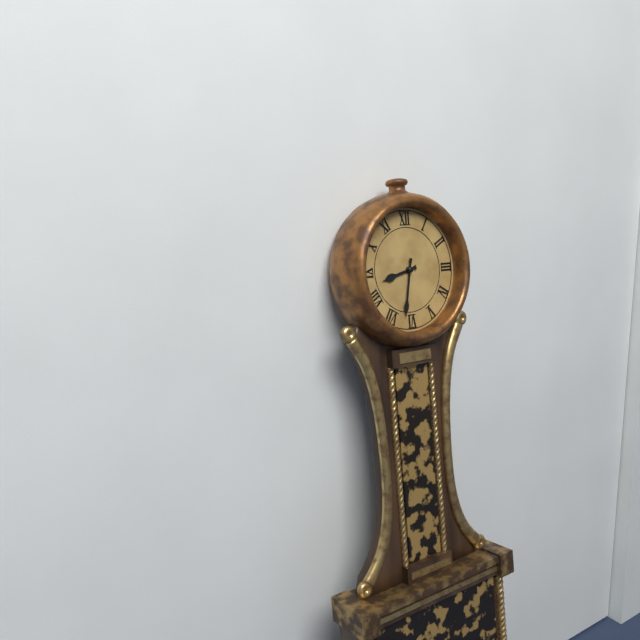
8:32
